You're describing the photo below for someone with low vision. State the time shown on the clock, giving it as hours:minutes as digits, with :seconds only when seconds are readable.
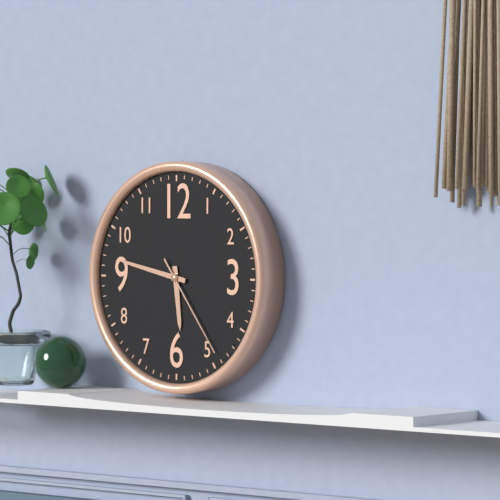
5:47:24
